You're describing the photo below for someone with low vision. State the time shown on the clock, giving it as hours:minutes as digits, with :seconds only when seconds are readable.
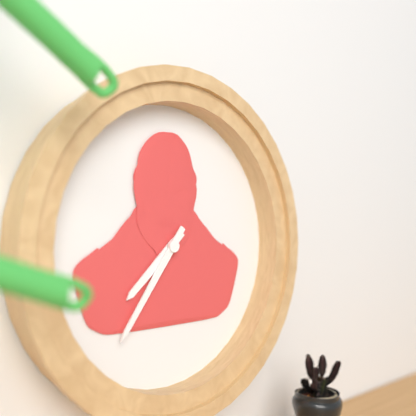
7:36
